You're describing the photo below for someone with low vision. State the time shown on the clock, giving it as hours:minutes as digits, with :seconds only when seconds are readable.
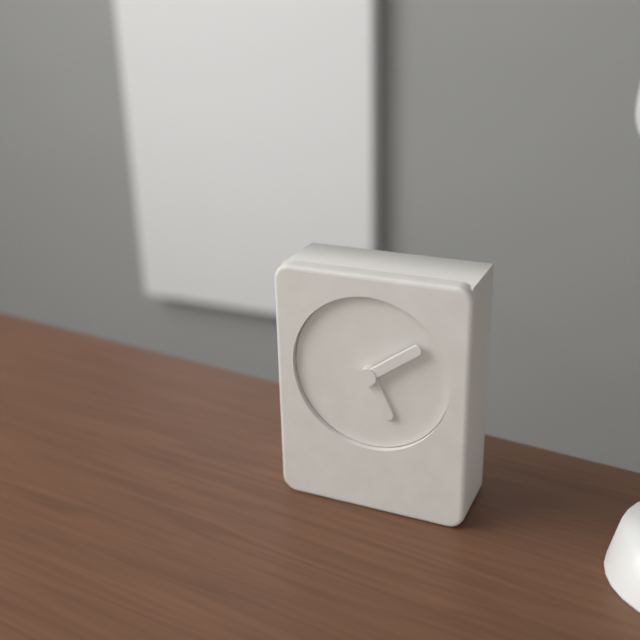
5:09
